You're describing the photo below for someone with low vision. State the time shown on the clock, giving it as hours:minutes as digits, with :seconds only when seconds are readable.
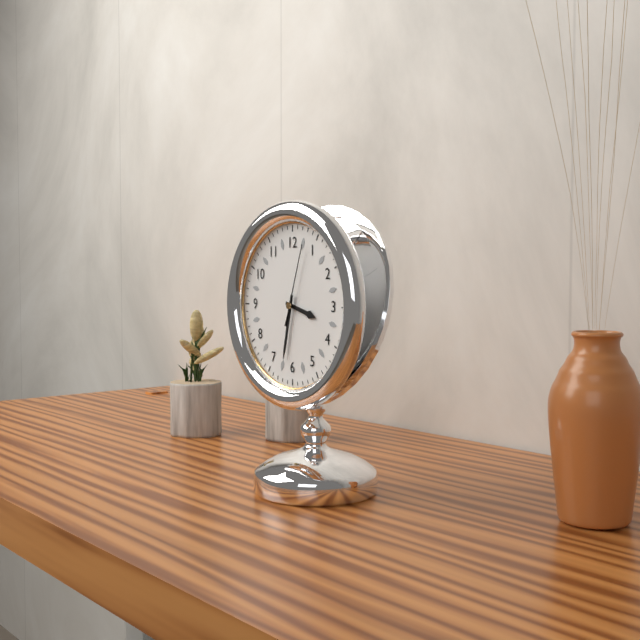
3:32:03
